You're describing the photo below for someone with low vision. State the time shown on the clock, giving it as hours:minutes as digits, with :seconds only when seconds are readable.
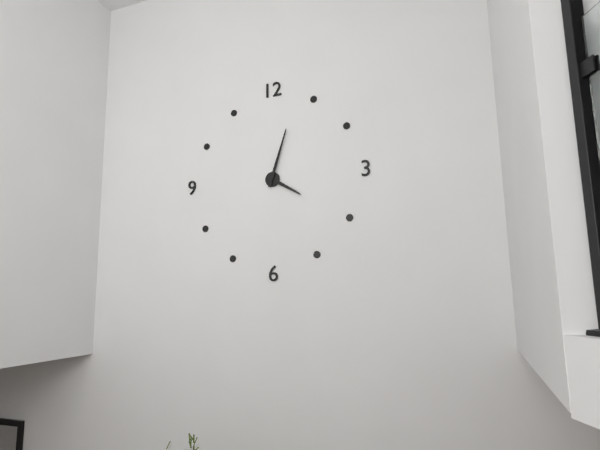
4:03
